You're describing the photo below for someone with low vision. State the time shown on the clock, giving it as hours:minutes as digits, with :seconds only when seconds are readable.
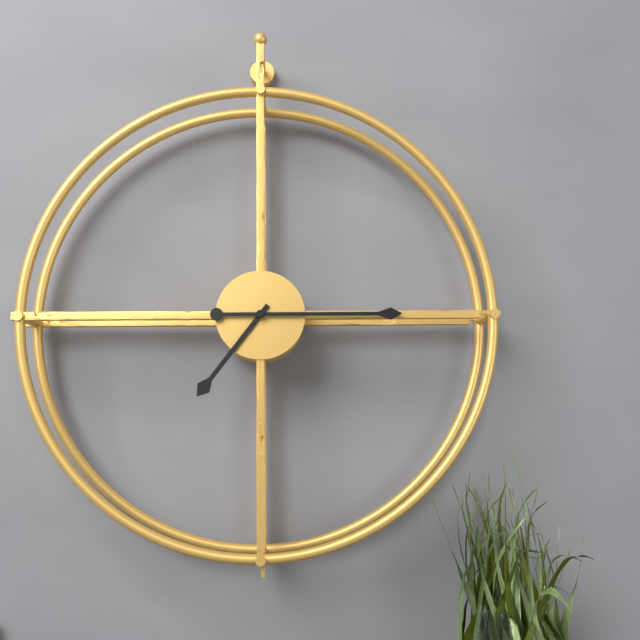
7:15
